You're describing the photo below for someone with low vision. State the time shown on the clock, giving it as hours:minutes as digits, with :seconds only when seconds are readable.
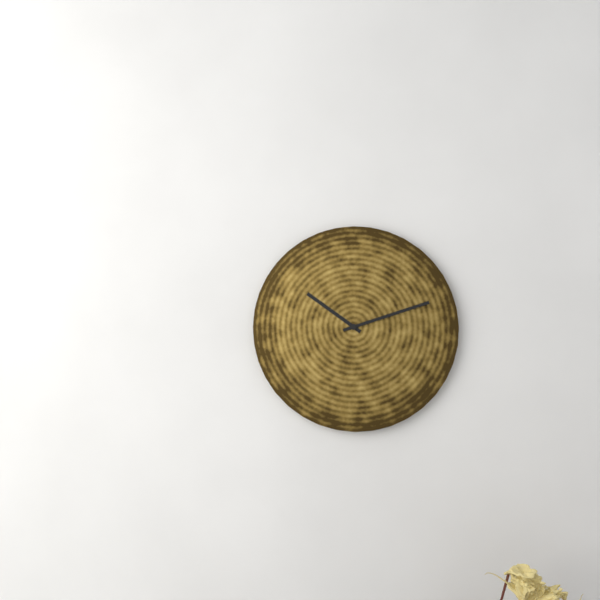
10:12
